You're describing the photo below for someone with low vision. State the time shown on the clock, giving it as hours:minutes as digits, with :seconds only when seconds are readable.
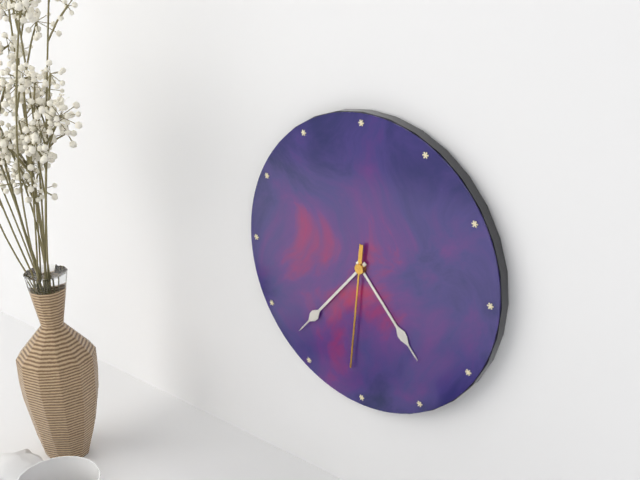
4:37:31
